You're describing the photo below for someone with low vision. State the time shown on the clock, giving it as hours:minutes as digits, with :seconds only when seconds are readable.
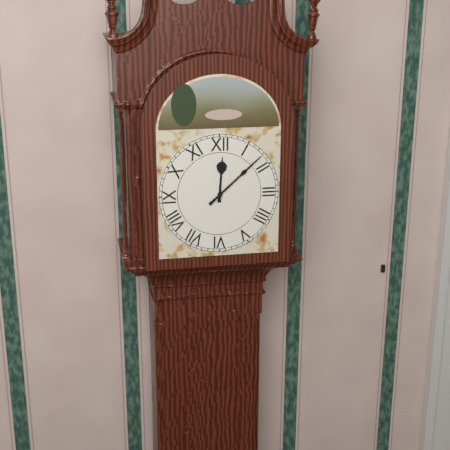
12:08
